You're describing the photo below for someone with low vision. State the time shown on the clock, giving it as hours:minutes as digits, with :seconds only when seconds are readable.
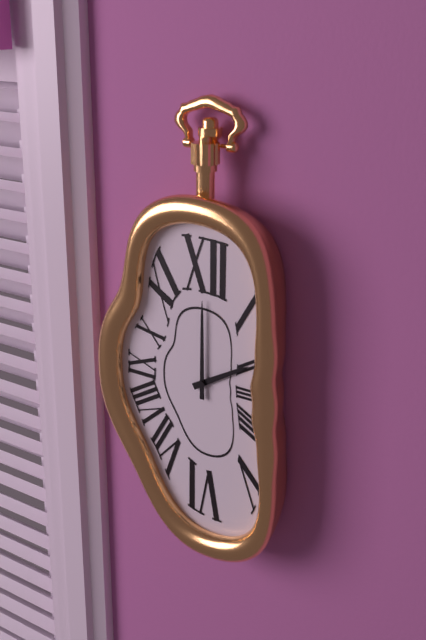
2:00
